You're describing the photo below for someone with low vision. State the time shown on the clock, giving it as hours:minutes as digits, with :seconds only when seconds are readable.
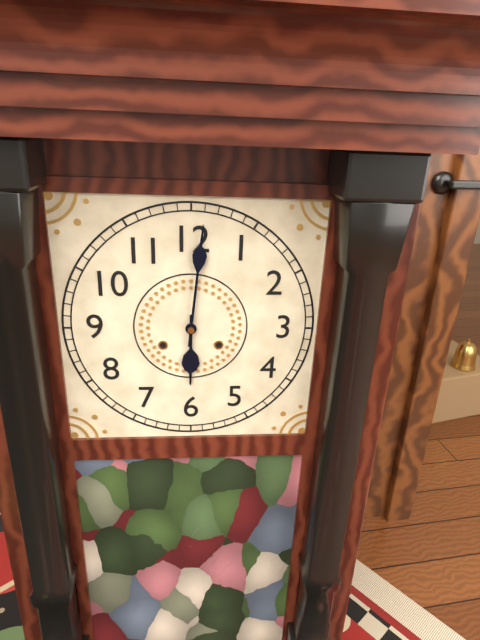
6:01
